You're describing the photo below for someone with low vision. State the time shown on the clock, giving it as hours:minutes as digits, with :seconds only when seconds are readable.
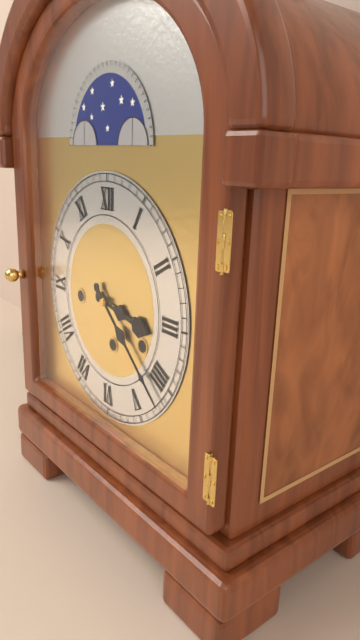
3:22
